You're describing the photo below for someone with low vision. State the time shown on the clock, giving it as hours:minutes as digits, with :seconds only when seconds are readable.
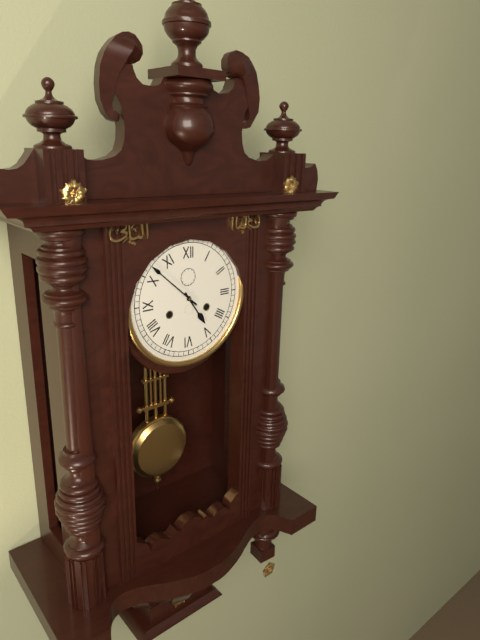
4:52
